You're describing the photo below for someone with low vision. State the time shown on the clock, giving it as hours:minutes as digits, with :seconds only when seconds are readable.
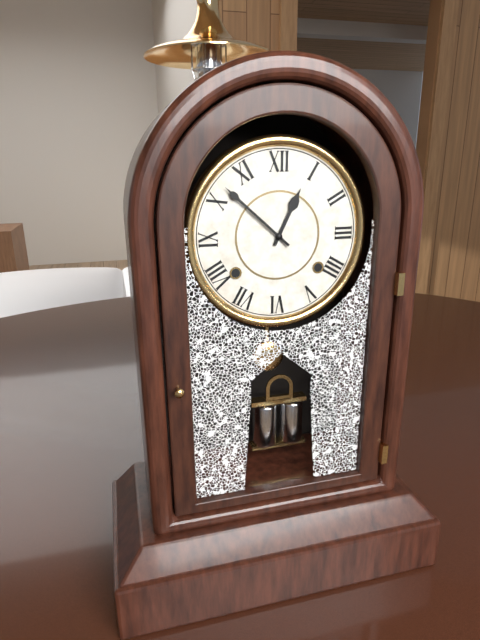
12:52
